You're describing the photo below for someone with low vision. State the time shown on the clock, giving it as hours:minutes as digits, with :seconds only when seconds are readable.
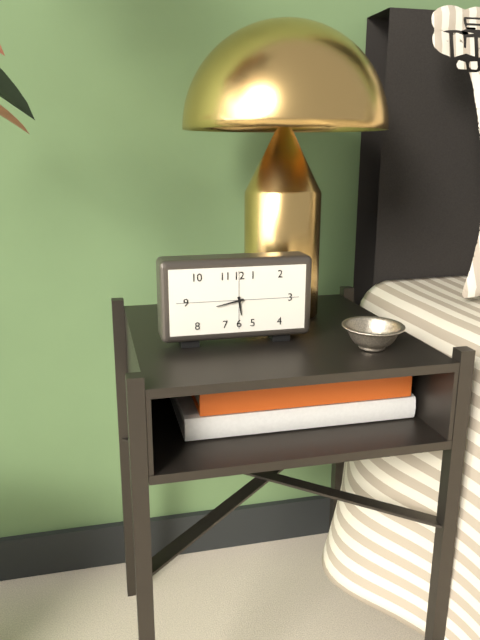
5:43
